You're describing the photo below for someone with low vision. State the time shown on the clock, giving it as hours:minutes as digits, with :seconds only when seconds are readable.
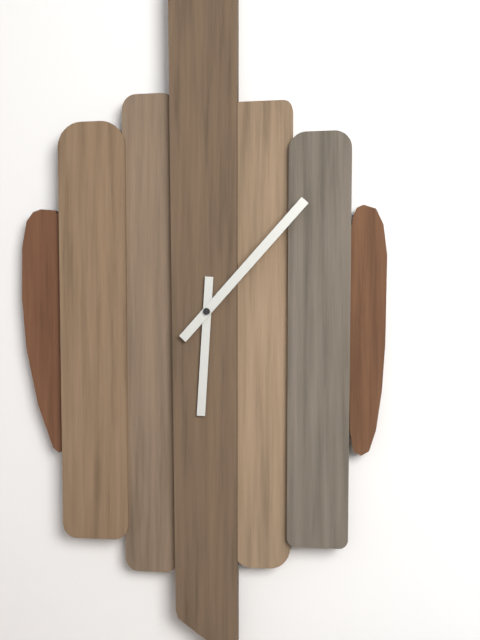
6:07
